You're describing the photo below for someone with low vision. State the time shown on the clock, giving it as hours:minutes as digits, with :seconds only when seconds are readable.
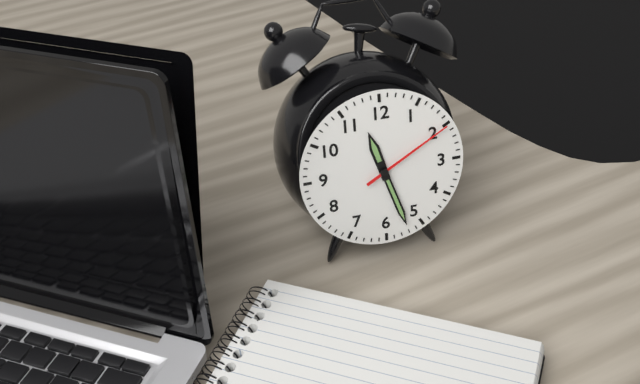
11:27:10
